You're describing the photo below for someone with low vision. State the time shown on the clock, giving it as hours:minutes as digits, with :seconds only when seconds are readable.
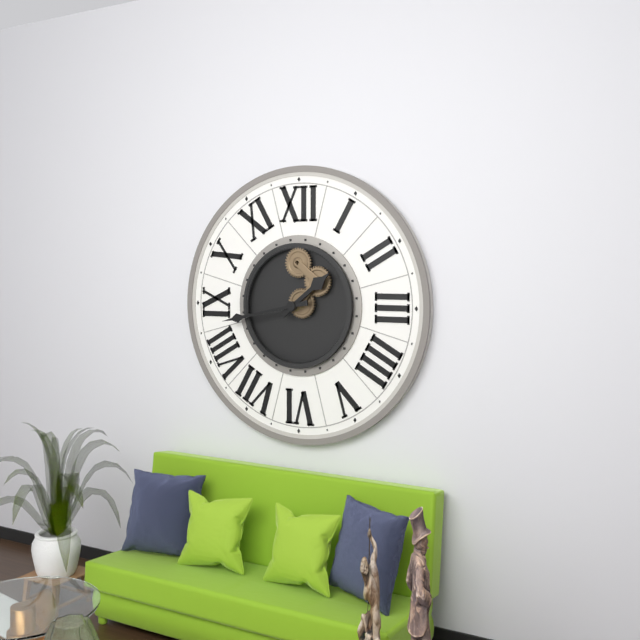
1:43
